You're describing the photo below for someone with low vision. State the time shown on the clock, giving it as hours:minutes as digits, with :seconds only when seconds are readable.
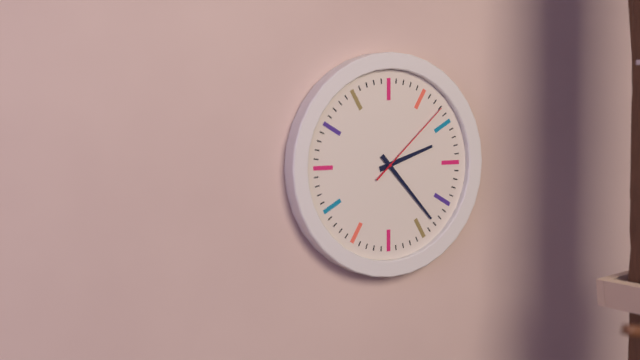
2:23:08
